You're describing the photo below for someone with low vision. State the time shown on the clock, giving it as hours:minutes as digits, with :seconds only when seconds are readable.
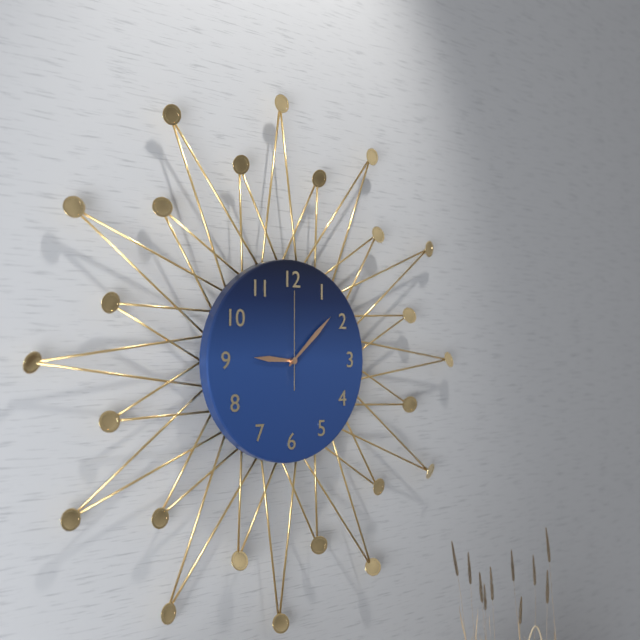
9:08:00
